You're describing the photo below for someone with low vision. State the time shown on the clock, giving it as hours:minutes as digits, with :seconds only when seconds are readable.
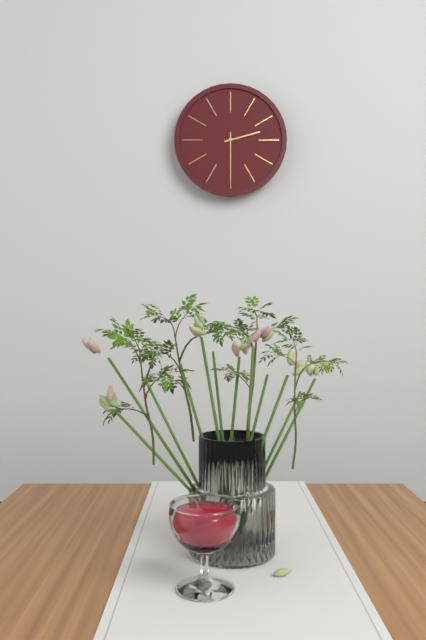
2:30
